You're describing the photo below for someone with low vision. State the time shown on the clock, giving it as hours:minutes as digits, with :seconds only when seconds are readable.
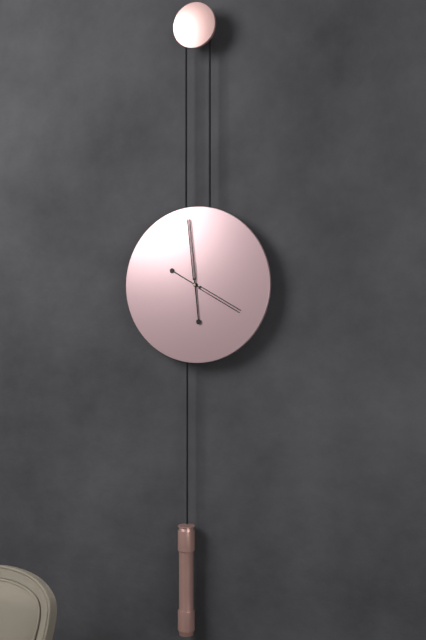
3:59
